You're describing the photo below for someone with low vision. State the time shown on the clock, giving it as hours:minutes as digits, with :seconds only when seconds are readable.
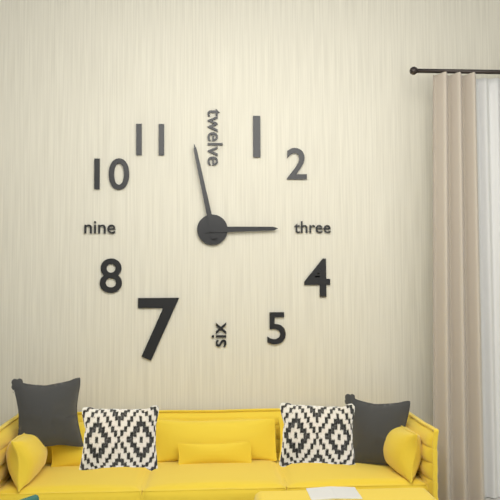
2:58
